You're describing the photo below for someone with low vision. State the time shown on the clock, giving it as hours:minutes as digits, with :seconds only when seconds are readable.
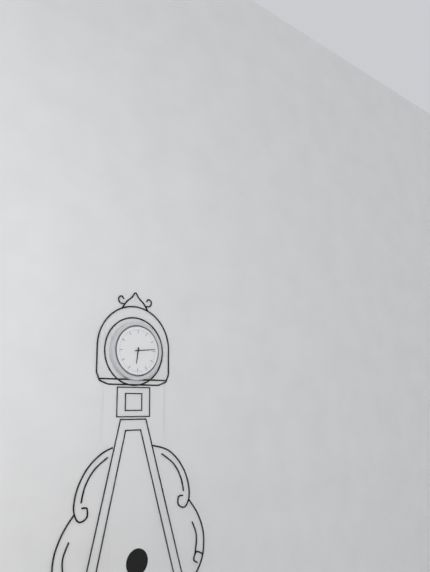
6:14
